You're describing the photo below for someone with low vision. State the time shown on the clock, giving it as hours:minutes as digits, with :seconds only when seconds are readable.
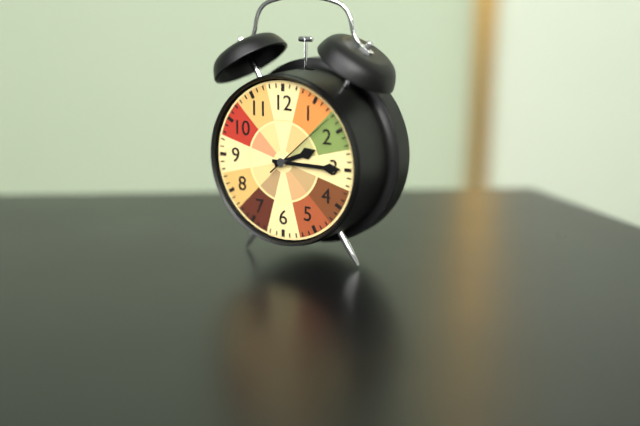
2:15:08
